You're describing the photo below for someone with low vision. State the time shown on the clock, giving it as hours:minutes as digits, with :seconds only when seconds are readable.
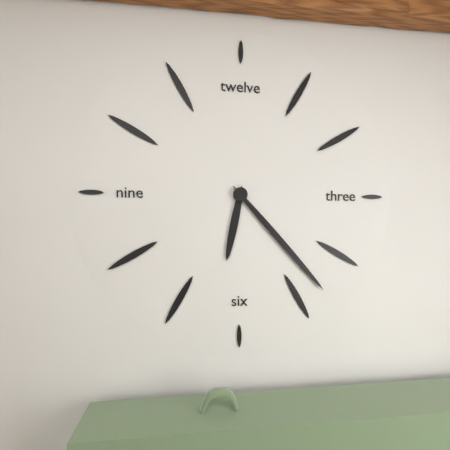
6:23
